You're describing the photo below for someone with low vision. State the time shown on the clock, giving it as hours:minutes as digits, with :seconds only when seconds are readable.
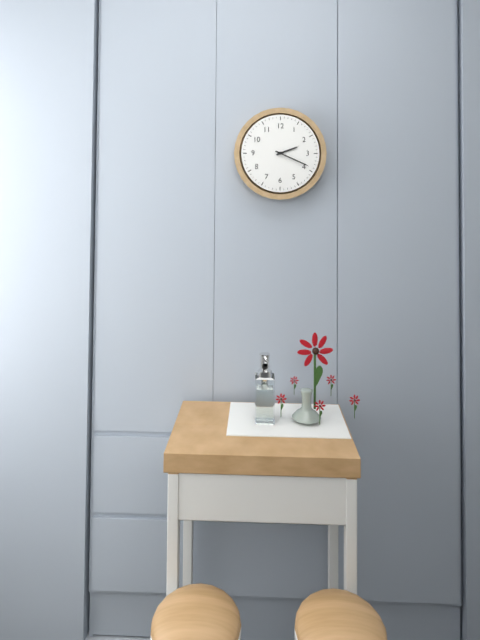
2:19
